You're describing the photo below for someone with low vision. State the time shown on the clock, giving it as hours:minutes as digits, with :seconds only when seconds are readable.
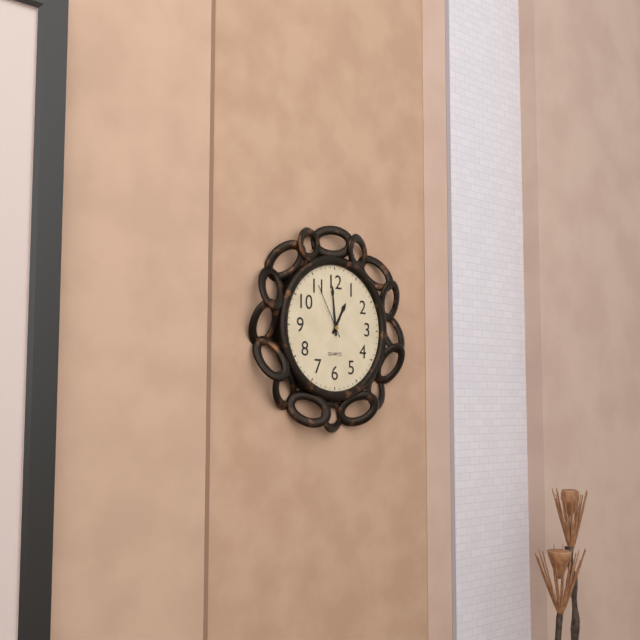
12:59:55
